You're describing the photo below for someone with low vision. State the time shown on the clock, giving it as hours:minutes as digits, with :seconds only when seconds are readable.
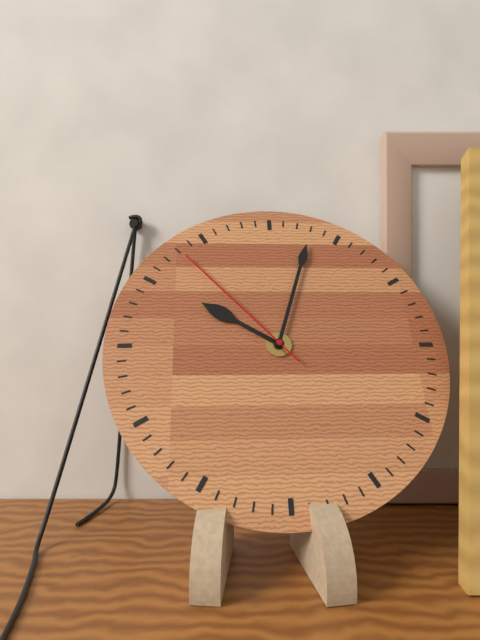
10:03:53
